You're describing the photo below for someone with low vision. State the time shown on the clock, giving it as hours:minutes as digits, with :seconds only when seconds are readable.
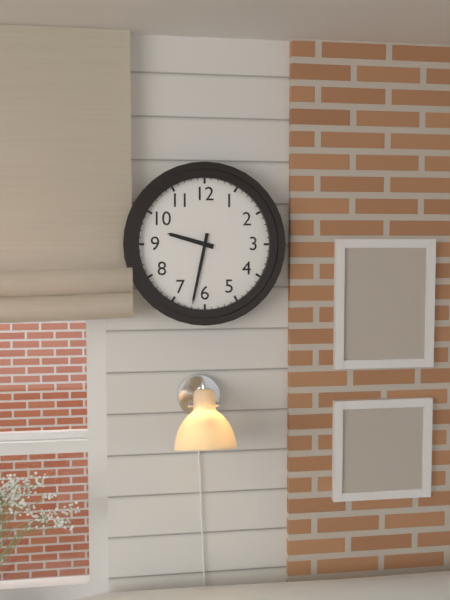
9:32
